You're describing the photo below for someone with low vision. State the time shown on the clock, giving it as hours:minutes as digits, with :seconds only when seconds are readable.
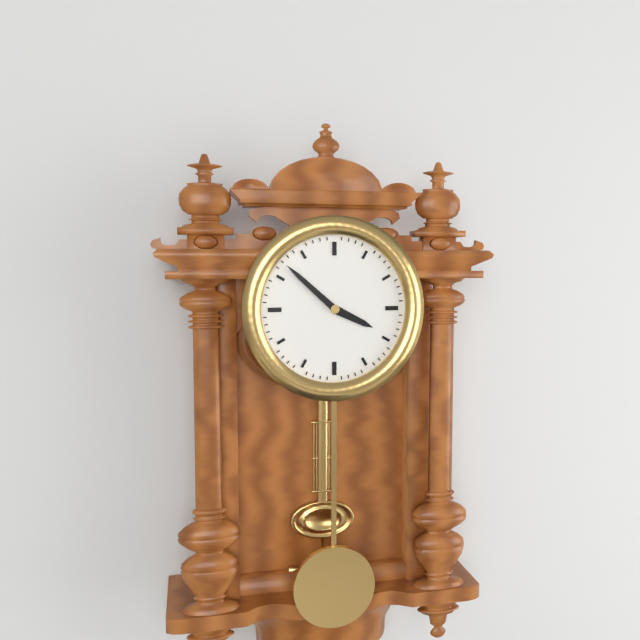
3:52
